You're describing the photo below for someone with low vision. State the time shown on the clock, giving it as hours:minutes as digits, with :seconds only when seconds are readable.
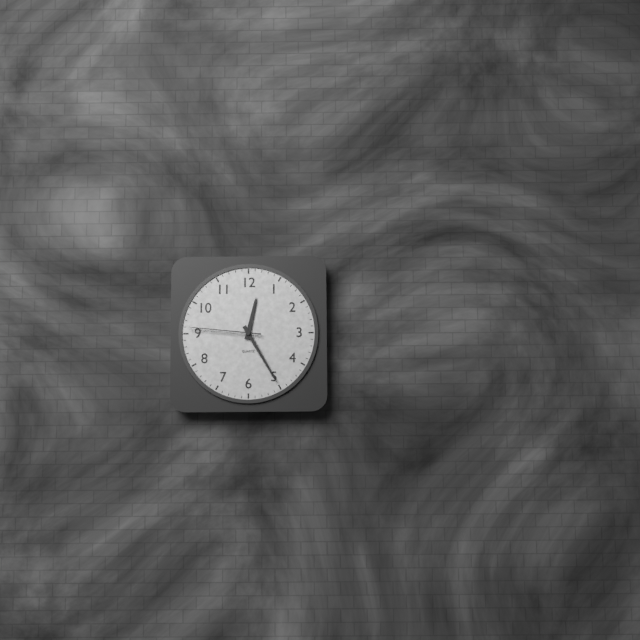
12:25:46
